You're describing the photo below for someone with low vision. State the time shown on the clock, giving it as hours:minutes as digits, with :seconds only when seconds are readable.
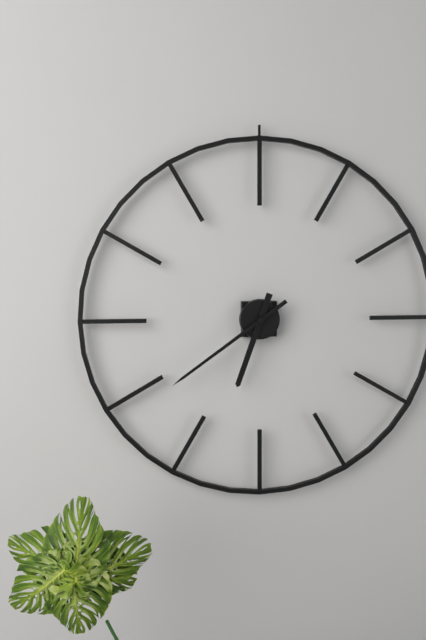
6:39
